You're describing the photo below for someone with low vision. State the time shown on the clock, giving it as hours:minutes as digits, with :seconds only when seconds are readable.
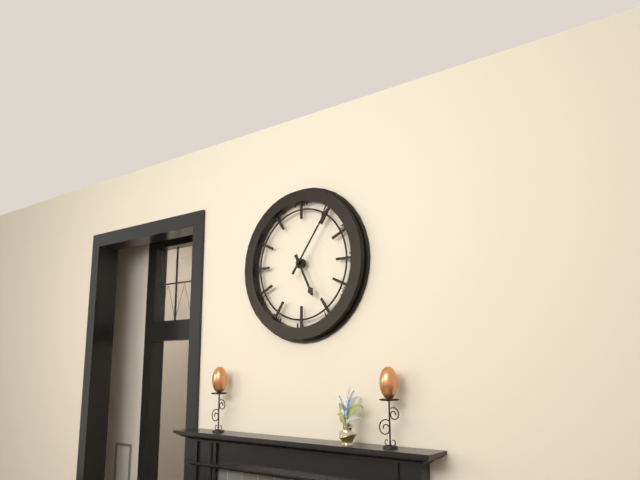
5:06
